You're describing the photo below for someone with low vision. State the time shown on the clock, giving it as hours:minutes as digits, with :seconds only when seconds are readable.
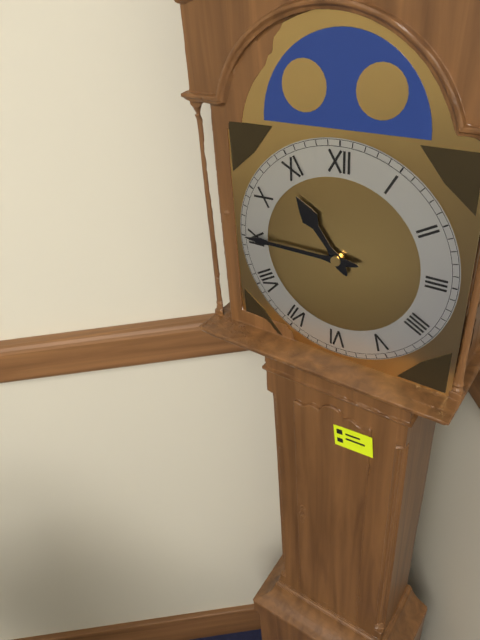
10:45
